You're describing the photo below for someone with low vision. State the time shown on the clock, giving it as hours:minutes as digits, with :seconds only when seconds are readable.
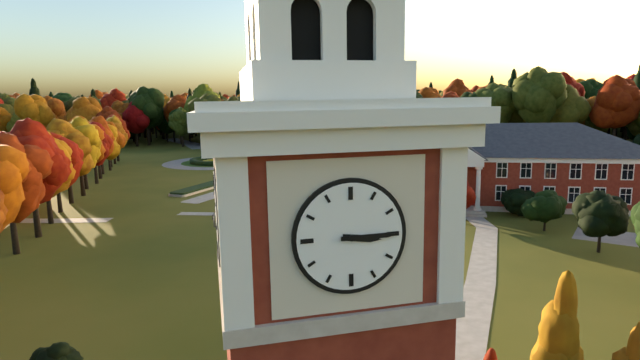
3:15
